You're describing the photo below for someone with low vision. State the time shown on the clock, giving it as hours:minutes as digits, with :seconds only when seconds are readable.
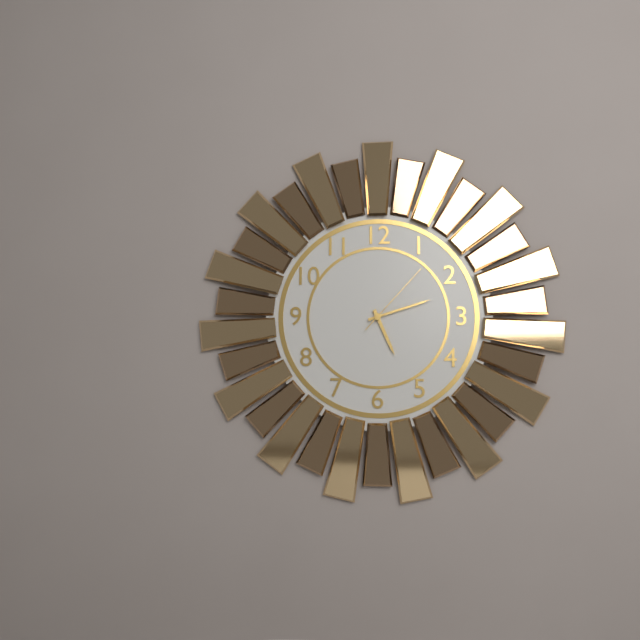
5:12:07
